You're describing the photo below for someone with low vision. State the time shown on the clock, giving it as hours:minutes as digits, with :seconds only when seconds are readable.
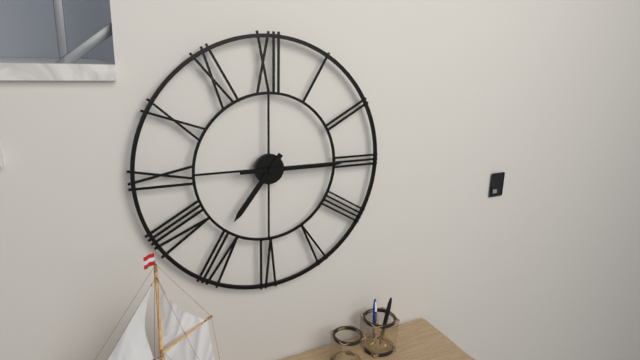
7:15
